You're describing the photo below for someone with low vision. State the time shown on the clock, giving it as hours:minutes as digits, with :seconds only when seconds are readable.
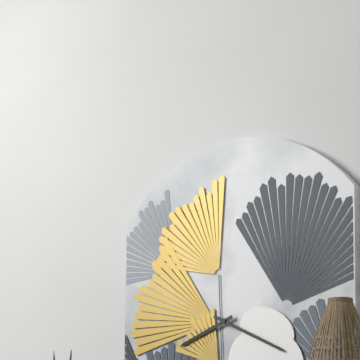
8:19
